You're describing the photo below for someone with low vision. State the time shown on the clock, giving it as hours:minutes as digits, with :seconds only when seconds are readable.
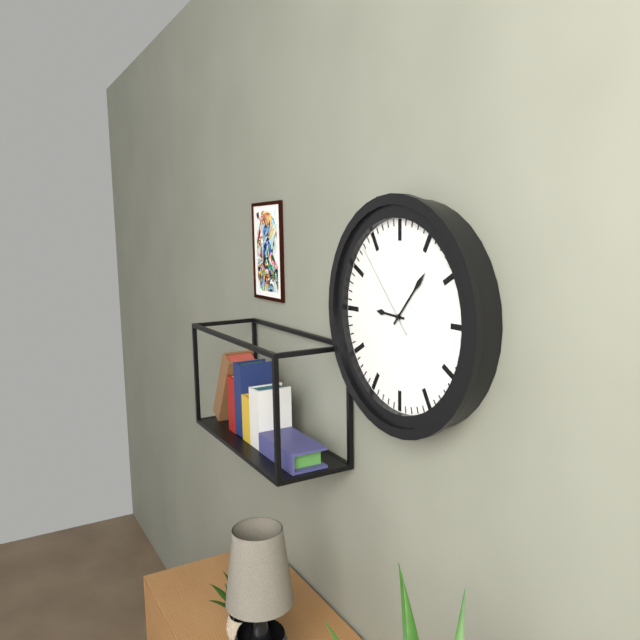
9:07:53
